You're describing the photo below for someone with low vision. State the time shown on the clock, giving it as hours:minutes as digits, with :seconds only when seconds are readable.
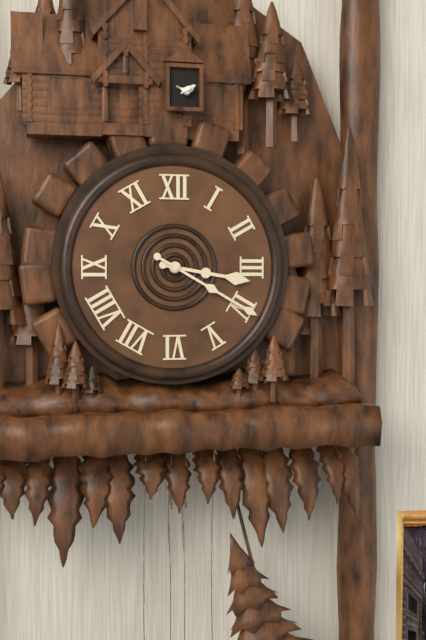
3:20
